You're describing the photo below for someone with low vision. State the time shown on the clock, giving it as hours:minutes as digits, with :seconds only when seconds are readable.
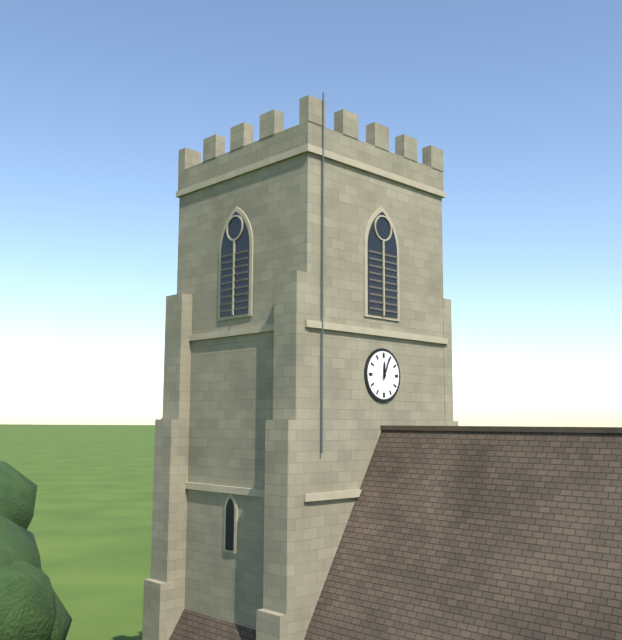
12:04
